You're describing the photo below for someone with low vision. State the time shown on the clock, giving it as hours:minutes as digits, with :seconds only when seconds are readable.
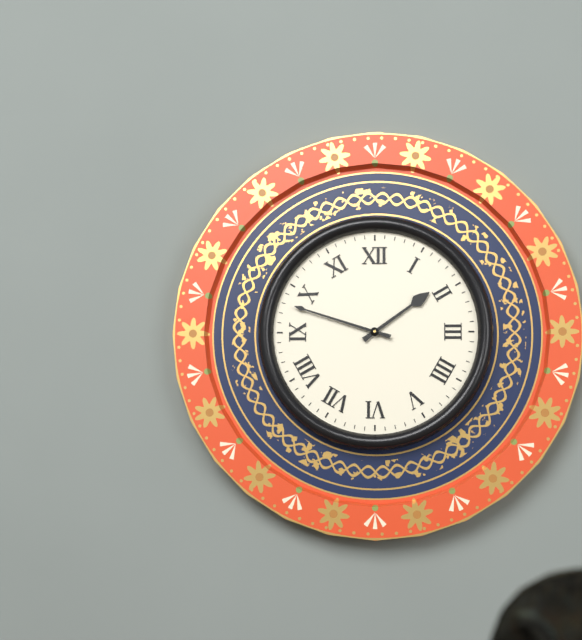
1:48
